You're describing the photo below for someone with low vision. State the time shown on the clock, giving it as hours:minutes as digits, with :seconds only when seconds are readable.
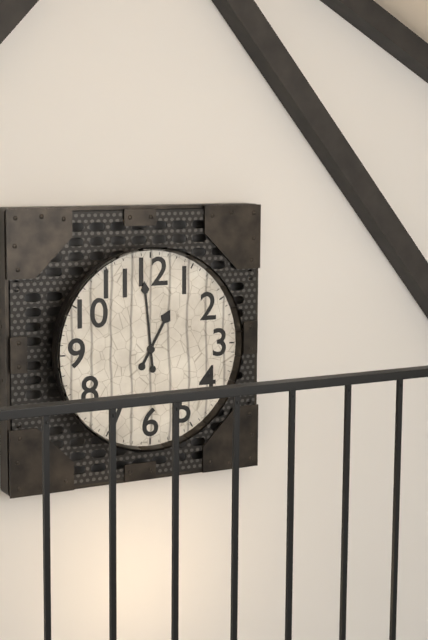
12:59
